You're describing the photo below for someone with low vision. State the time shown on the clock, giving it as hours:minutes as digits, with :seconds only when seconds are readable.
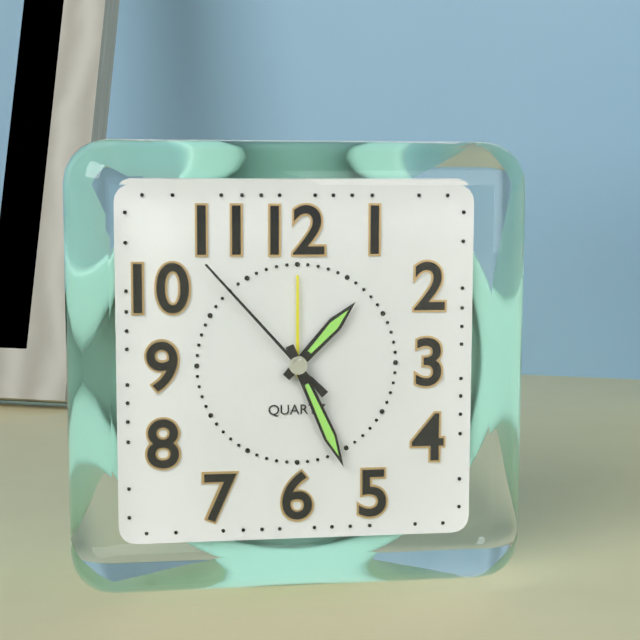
1:26:53
